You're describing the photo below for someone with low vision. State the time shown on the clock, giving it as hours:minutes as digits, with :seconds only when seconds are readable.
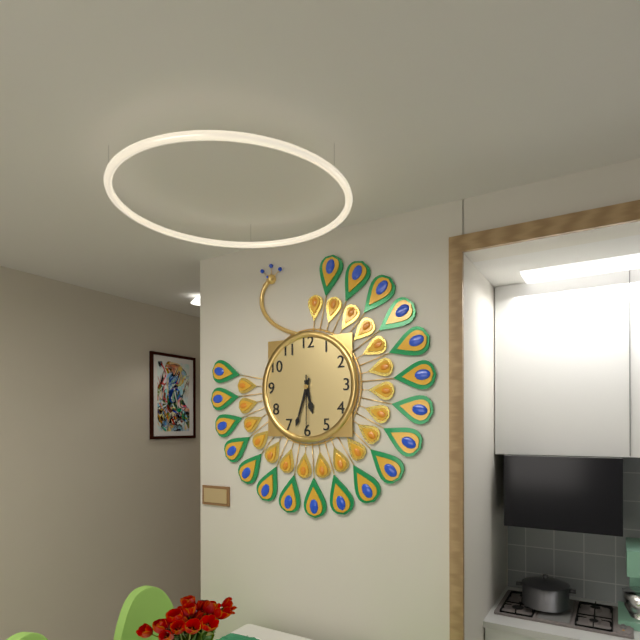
5:33:30
